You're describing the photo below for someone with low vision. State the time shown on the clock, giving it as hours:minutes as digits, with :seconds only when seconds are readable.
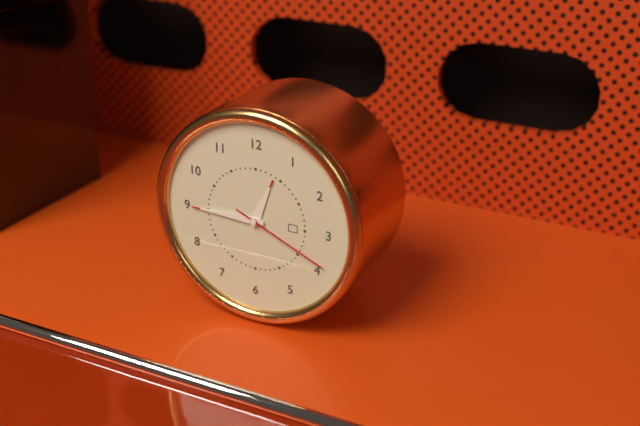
12:45:19
